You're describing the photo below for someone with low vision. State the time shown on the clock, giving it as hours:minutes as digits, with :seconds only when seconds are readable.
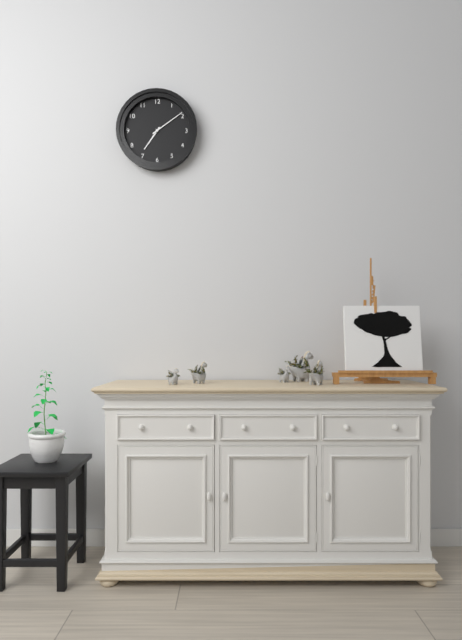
7:09
